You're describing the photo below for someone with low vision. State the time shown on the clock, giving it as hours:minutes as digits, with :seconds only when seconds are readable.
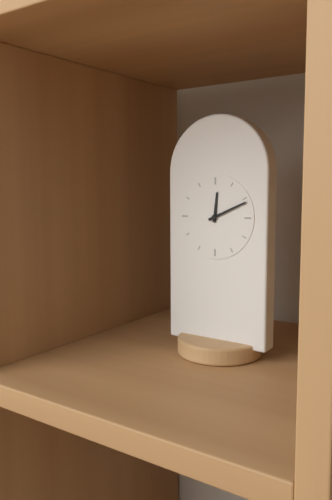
12:11
